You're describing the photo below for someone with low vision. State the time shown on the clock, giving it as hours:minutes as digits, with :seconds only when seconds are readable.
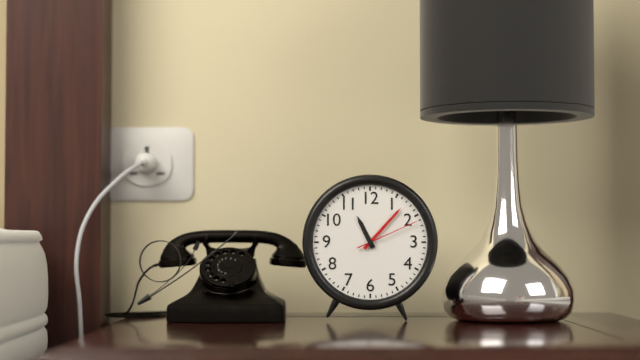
11:07:11
